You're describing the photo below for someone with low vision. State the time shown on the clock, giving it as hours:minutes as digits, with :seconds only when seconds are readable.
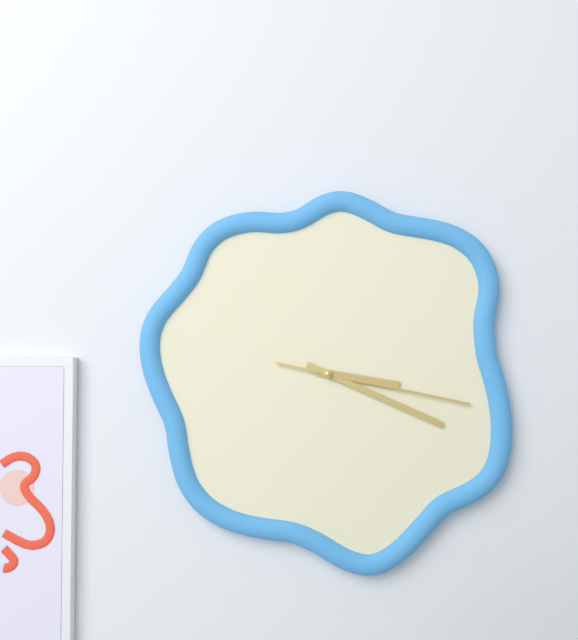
3:19:17
